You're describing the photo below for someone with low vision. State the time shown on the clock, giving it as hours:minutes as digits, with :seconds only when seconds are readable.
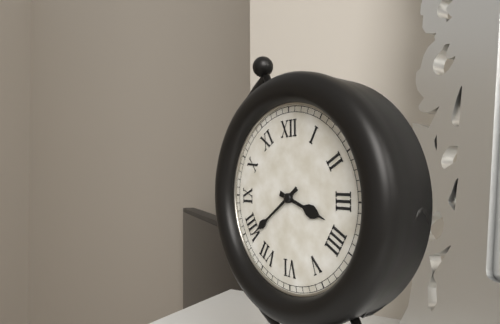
3:39
